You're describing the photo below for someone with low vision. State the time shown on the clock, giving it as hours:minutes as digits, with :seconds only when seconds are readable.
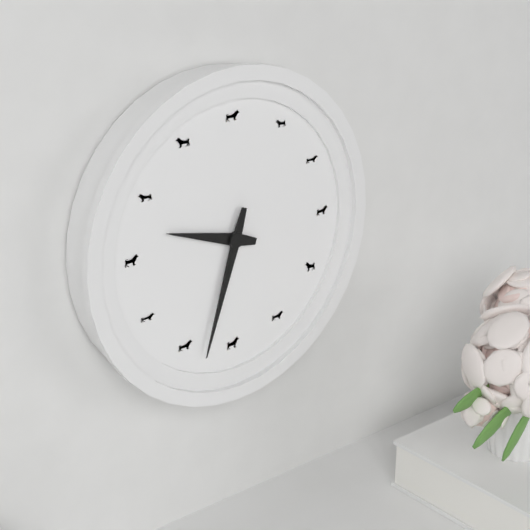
9:33
